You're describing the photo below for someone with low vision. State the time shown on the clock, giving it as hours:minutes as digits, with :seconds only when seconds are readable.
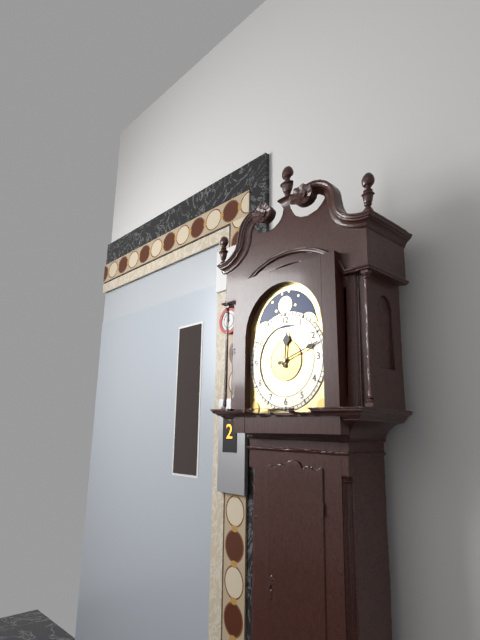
12:12
